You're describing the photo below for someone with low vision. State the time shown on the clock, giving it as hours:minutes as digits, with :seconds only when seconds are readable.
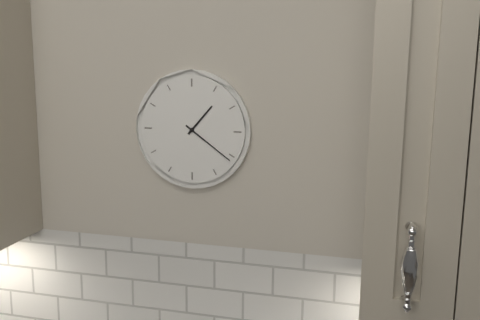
1:21
